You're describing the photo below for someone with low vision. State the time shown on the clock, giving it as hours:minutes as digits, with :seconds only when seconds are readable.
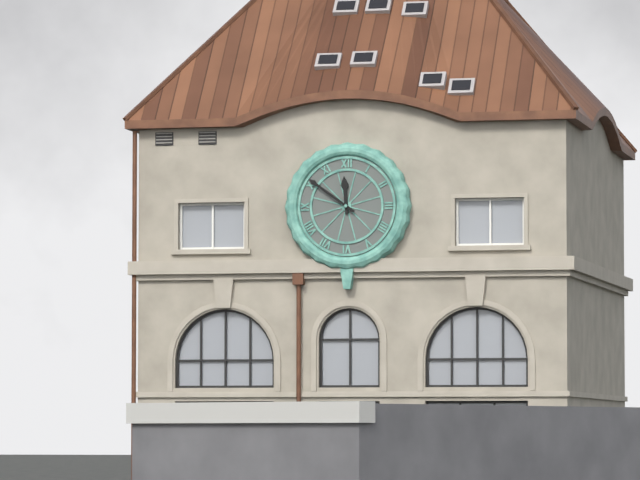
11:51
